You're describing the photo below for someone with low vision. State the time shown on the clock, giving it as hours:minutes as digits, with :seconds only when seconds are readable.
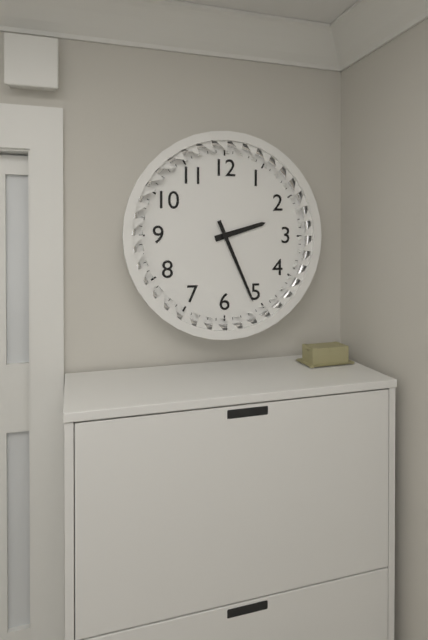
2:26
